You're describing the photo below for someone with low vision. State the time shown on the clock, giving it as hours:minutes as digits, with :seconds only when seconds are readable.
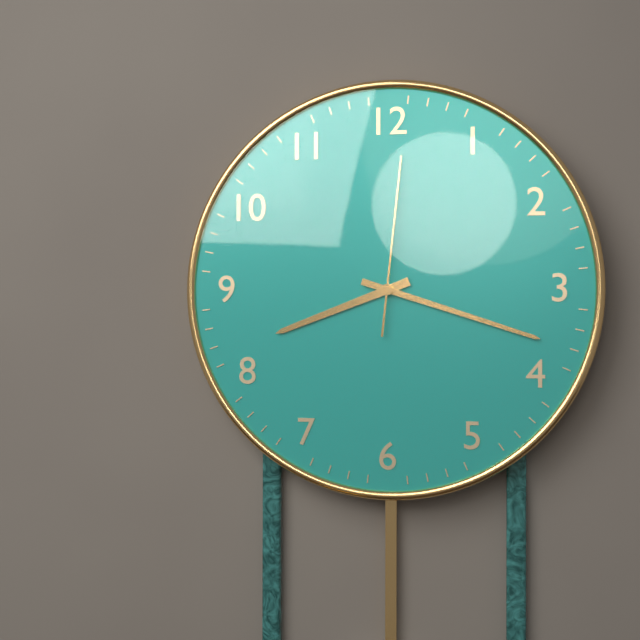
8:18:01
